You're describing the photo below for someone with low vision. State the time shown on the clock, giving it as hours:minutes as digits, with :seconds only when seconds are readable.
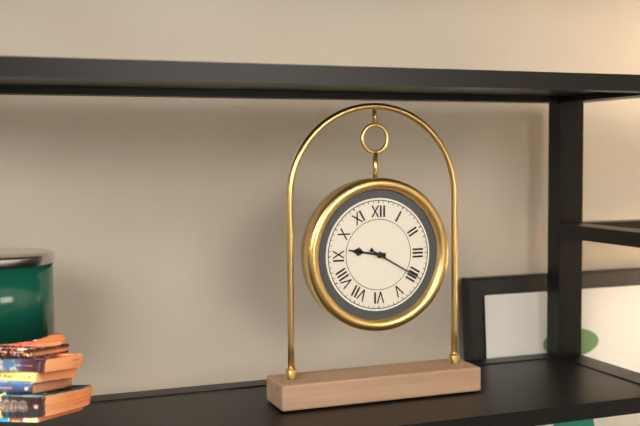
9:20
